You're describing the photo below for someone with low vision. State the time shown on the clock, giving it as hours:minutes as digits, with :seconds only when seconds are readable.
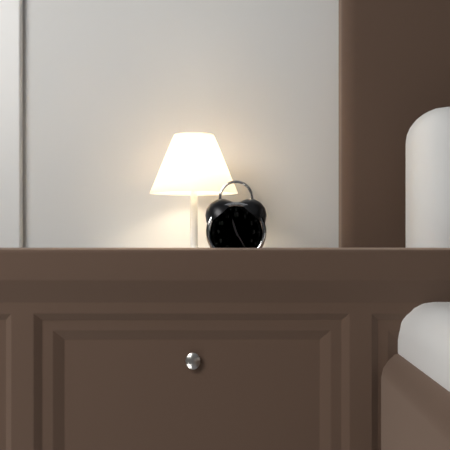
11:25
